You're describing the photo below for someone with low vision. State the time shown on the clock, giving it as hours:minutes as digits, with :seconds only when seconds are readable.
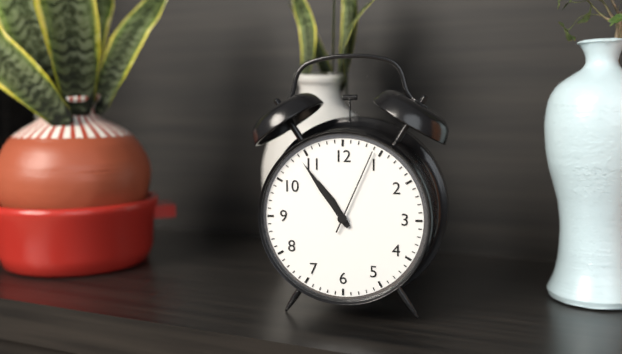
10:54:04
